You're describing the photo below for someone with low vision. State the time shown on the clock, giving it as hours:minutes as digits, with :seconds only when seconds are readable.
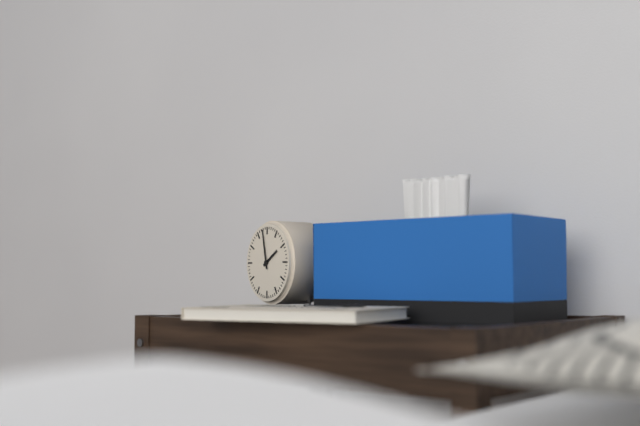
1:58
